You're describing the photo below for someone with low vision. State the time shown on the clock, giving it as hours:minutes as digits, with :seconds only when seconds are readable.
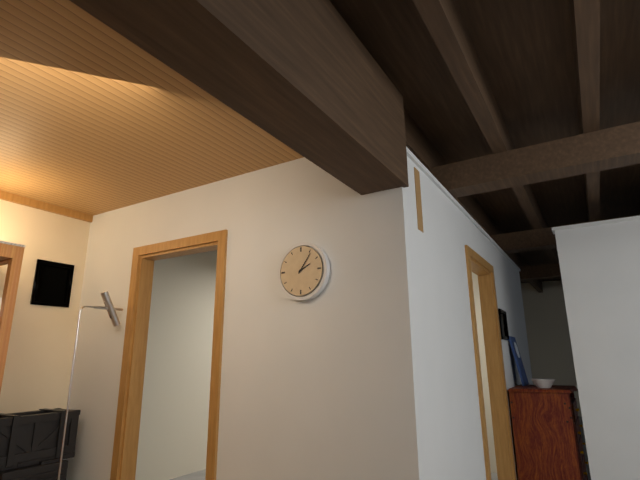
2:06
